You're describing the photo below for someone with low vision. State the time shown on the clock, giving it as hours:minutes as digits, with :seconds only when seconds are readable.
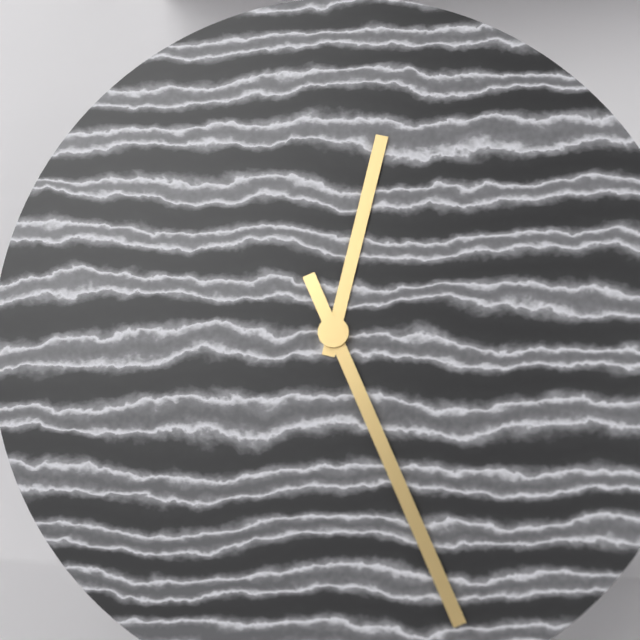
12:26
